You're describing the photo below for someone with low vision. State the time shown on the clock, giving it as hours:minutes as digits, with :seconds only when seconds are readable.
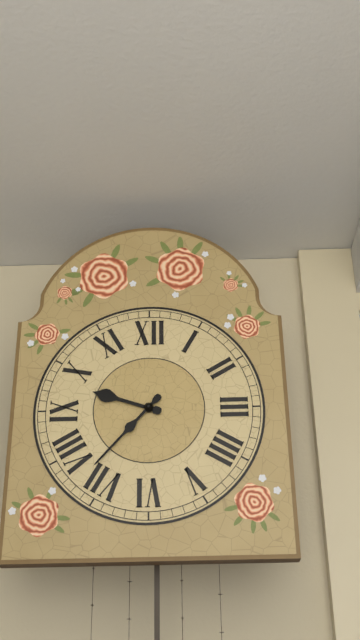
9:37
